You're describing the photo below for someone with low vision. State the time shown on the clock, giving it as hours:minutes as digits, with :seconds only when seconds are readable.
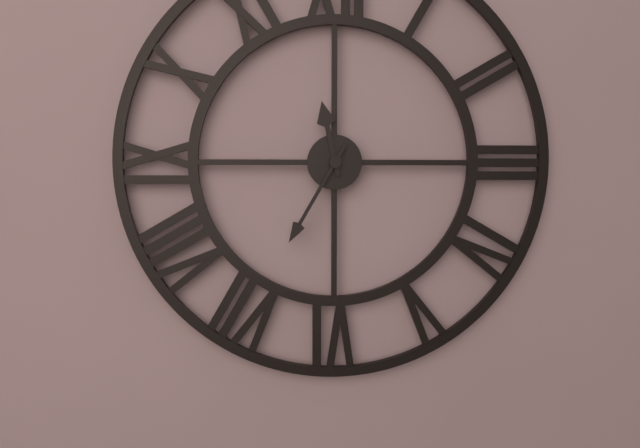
11:35
